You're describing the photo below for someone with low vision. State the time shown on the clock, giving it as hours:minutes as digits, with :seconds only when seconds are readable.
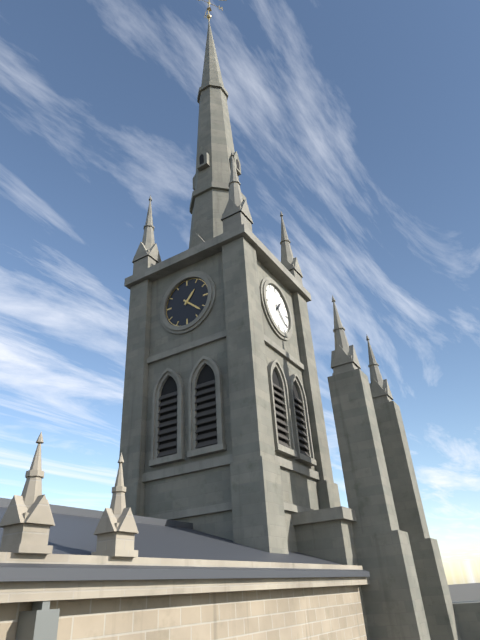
1:22
